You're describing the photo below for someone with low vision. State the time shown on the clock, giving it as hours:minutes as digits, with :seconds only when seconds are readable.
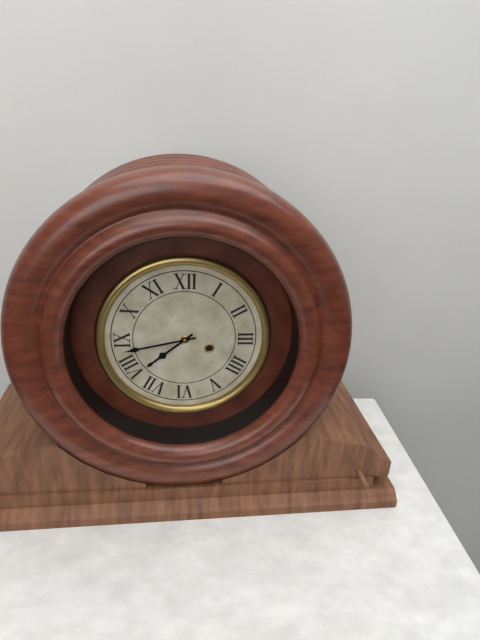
7:43
